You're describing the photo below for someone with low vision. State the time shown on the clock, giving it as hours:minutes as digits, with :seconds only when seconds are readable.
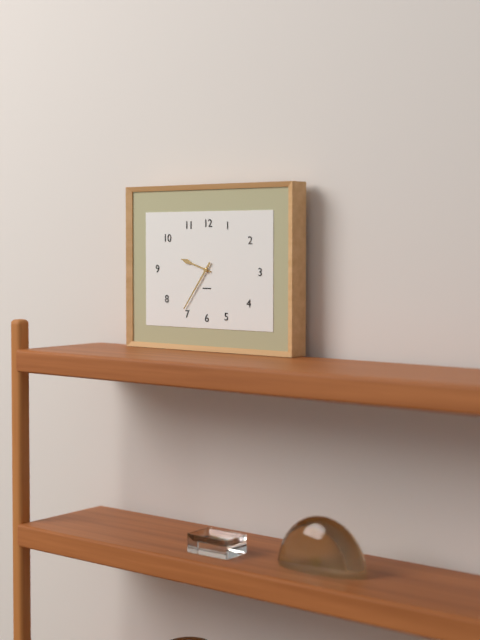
9:36
